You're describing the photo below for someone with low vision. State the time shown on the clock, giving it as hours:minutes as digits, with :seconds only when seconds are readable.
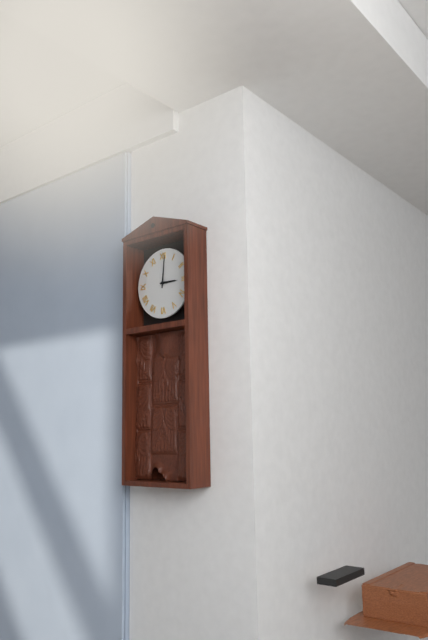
3:01
